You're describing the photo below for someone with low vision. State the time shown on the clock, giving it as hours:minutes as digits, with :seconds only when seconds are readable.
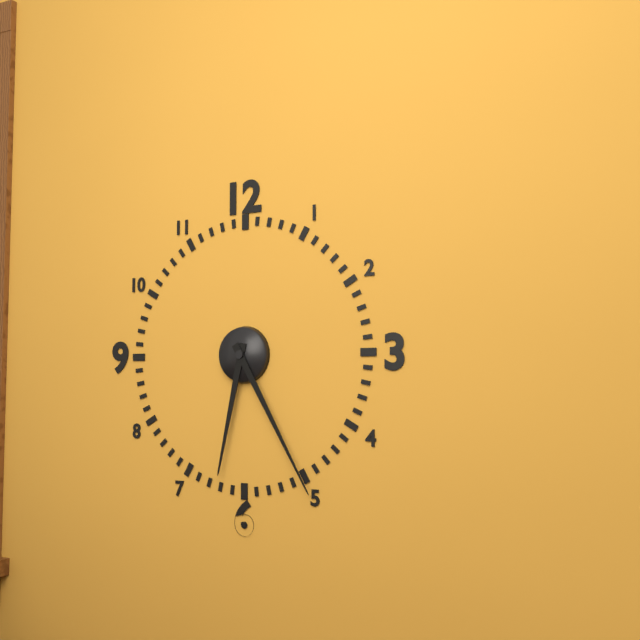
6:25
